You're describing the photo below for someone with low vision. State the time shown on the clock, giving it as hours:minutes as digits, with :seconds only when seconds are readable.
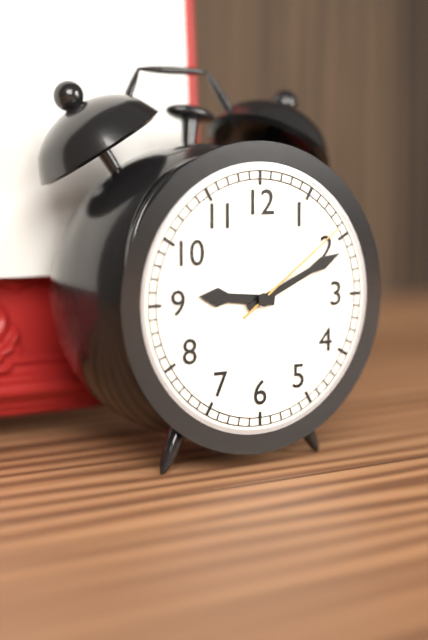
9:11:09
